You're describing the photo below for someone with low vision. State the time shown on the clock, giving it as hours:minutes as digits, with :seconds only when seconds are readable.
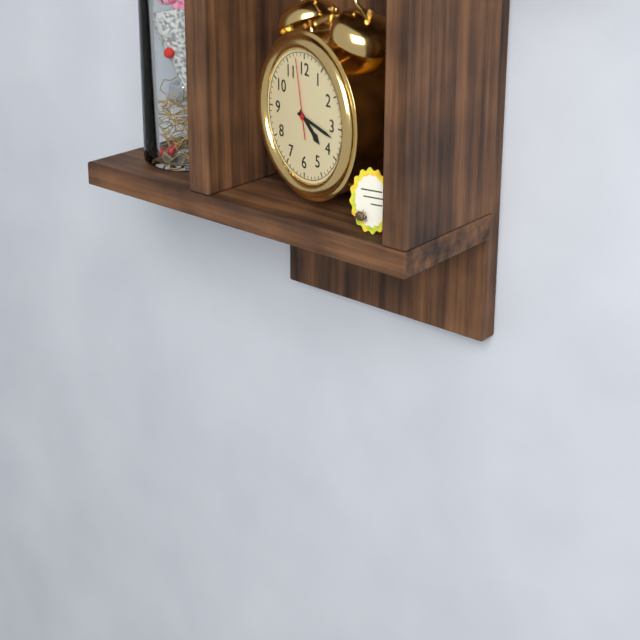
4:17:58
